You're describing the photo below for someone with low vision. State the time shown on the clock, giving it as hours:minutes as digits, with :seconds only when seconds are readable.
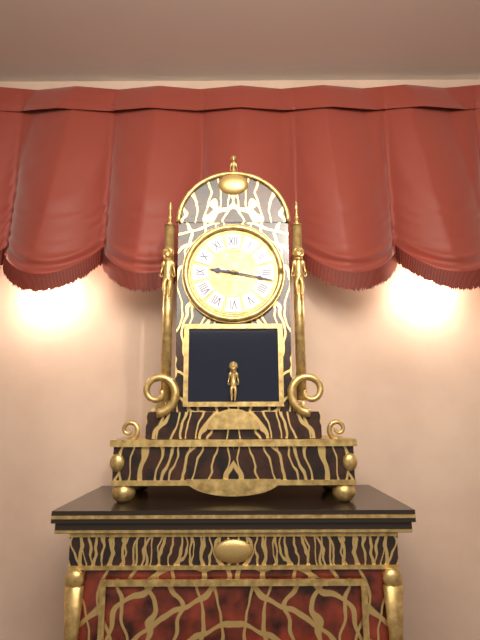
9:17
